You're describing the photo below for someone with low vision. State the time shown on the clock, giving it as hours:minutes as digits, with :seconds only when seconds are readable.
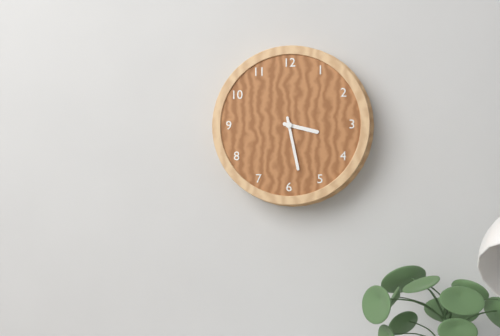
3:28
